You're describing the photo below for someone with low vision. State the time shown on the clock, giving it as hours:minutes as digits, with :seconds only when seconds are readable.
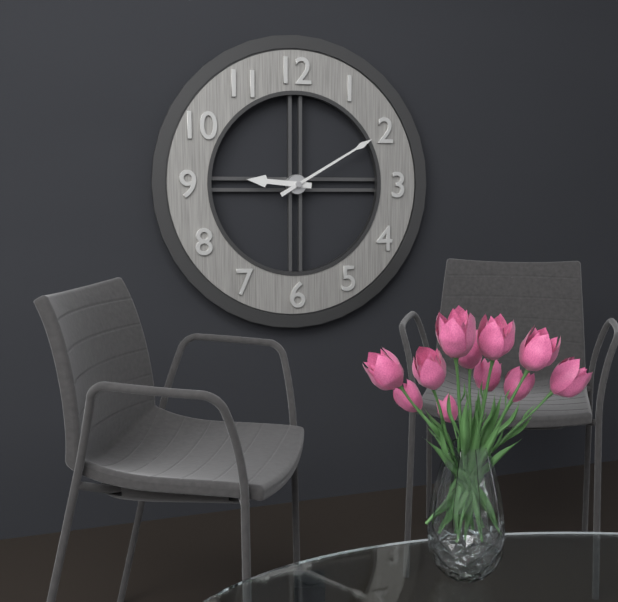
9:10
